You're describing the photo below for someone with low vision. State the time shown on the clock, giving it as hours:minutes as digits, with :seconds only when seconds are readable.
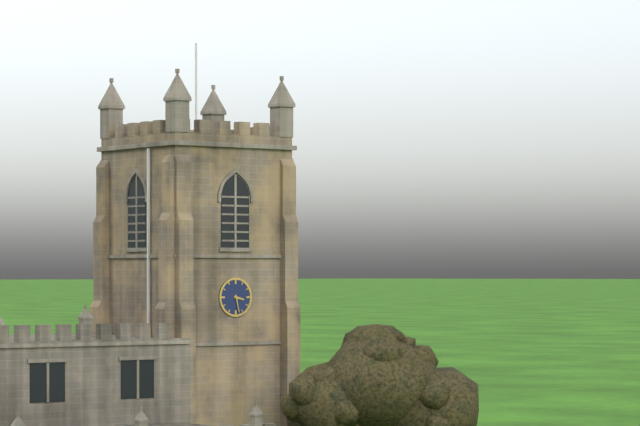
3:28
